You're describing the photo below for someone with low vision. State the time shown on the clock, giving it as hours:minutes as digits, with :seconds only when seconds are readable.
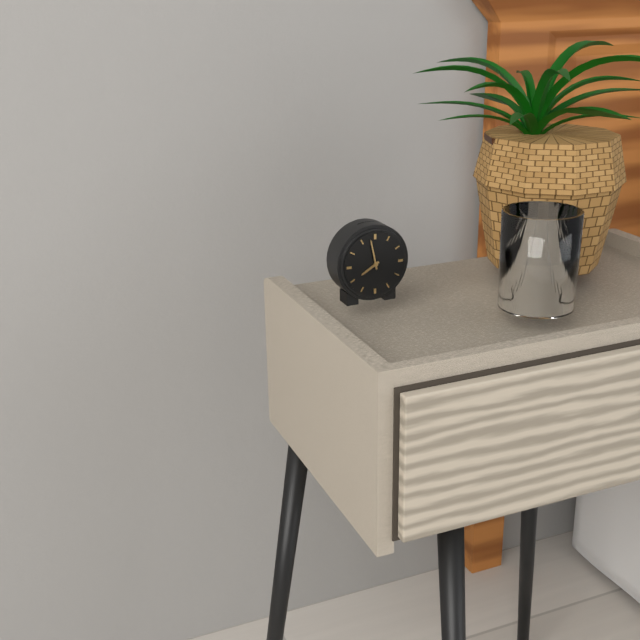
7:58
